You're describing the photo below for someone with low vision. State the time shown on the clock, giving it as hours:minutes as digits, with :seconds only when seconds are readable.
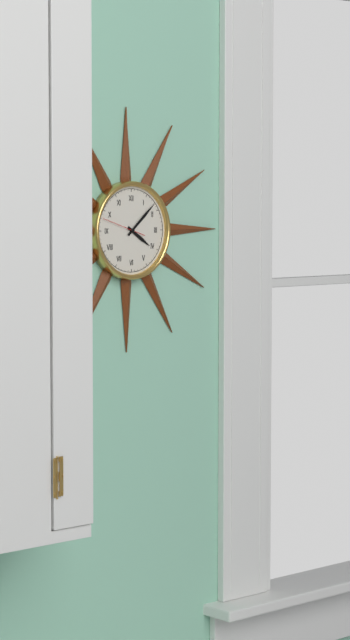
4:08
